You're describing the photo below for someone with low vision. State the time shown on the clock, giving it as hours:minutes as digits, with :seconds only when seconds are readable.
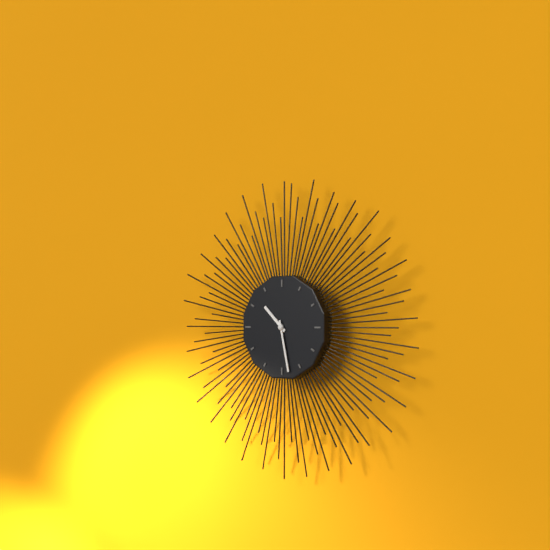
10:28
